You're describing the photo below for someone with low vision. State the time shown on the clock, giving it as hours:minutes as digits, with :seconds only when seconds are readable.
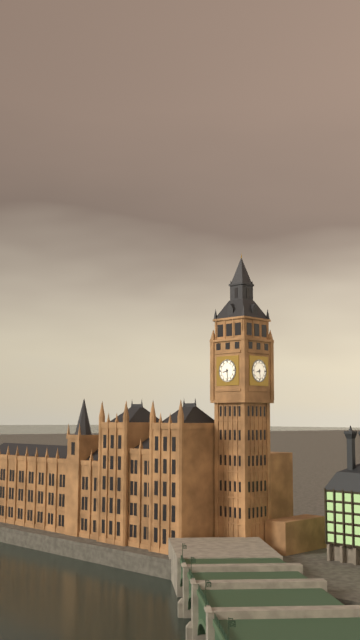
8:29
